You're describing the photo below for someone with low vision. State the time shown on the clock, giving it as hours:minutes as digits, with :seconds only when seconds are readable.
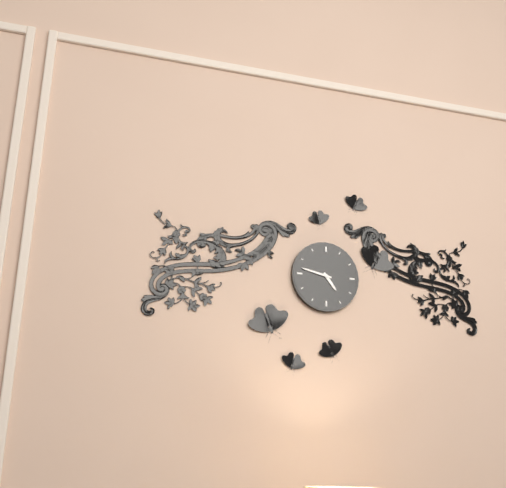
4:47
